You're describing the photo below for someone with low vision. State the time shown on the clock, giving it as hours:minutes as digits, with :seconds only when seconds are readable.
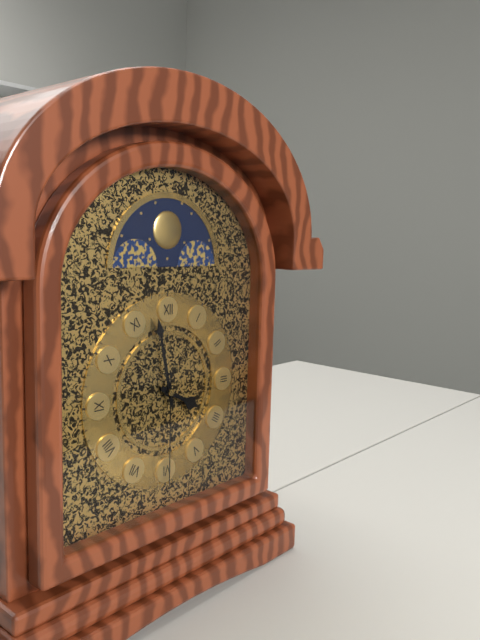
3:58:30
